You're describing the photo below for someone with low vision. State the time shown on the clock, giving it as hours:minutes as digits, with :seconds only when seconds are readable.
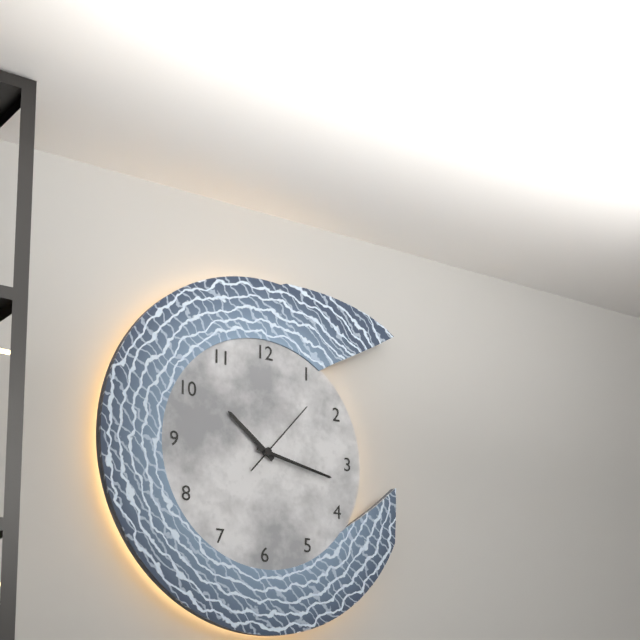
10:17:07
